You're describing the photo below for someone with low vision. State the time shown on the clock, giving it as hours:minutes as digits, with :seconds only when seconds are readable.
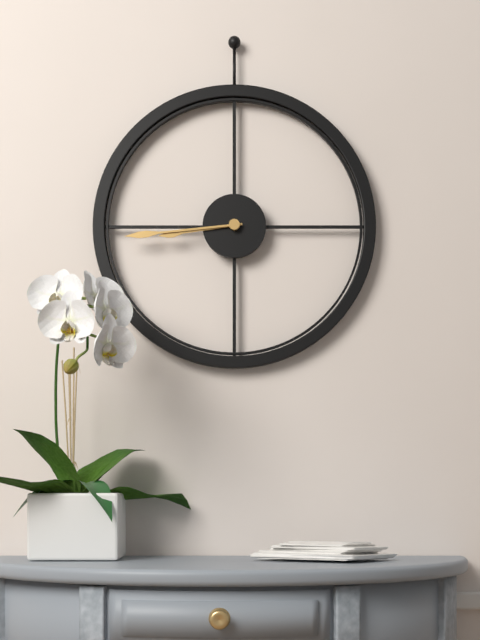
8:44
